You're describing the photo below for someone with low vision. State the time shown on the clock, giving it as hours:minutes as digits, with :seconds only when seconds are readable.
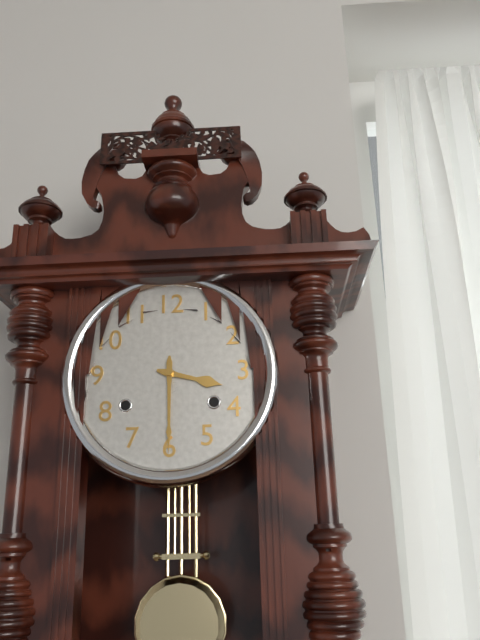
3:30
